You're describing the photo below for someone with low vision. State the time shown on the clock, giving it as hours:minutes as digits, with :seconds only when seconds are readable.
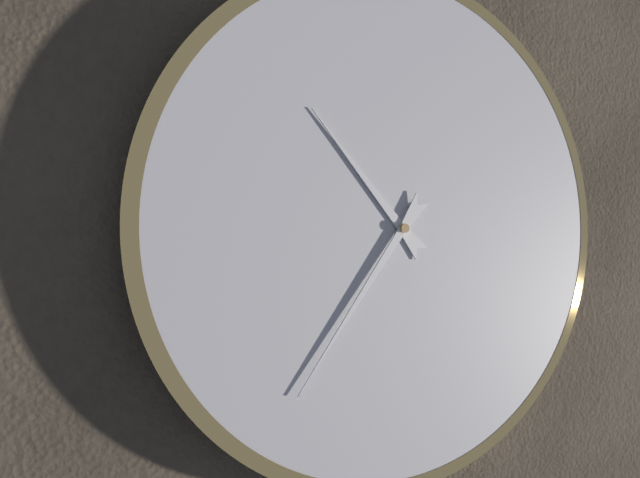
10:36
